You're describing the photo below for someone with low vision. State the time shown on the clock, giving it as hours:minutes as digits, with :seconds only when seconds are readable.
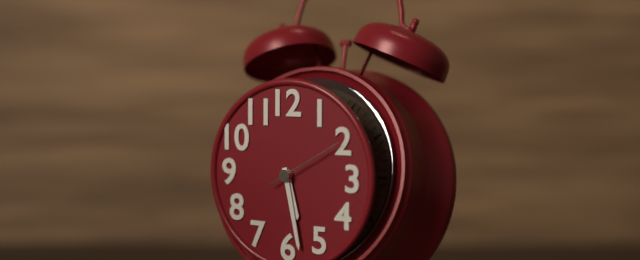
5:28:10
